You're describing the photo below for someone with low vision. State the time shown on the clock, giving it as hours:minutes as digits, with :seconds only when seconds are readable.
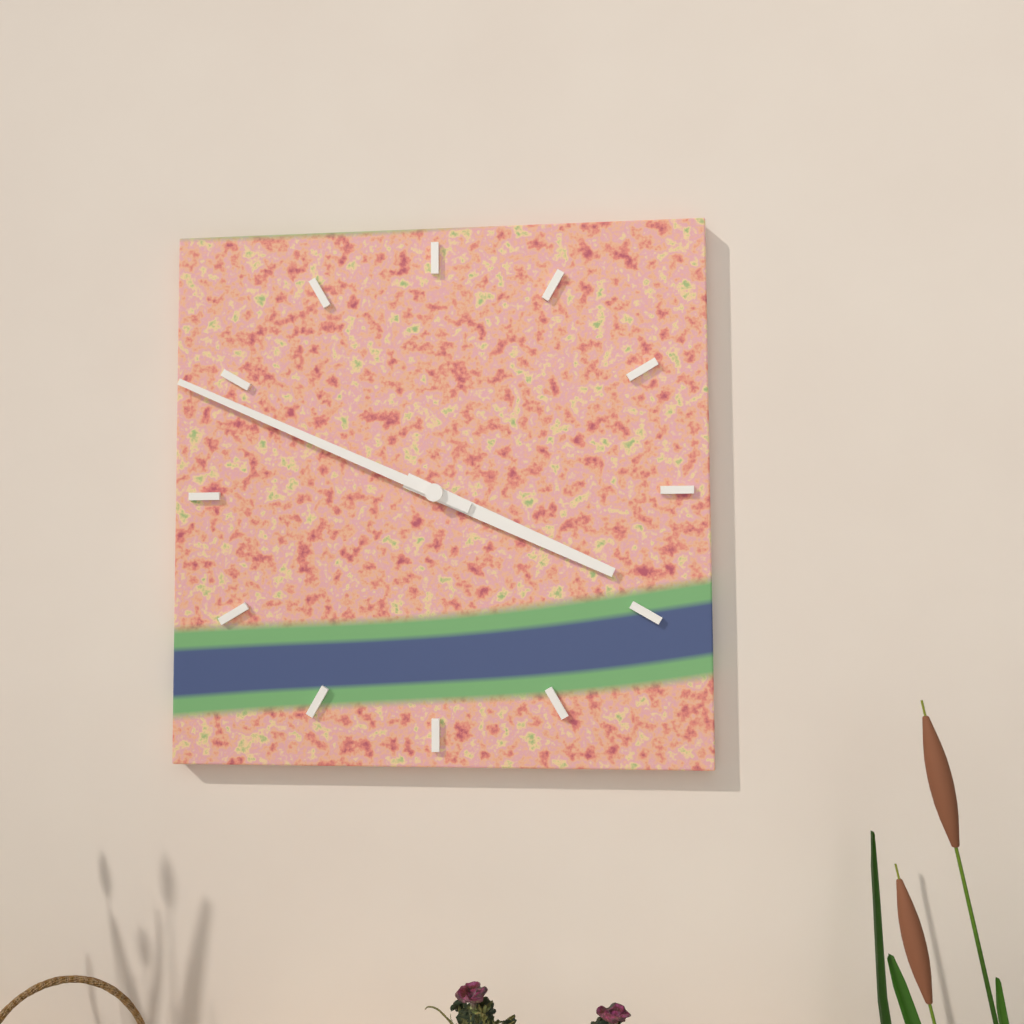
3:49
